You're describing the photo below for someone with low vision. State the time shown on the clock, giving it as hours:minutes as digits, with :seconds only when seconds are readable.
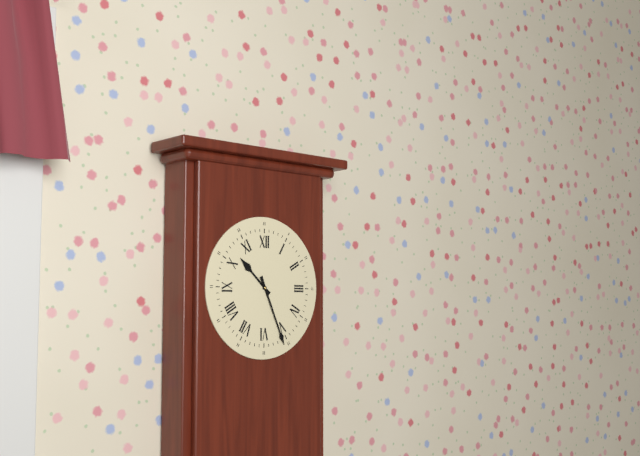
10:26
